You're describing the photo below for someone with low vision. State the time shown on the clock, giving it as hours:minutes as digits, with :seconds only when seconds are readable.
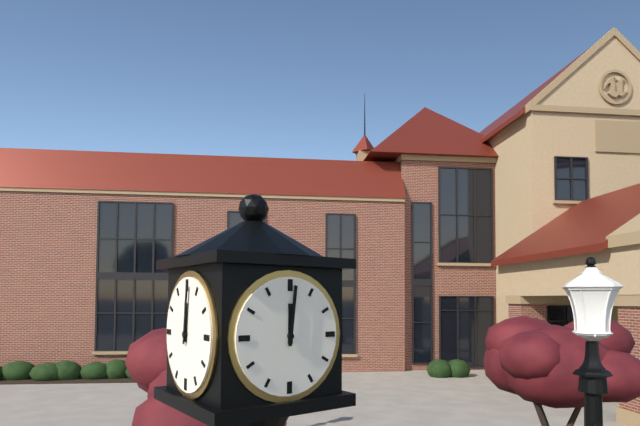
12:01
